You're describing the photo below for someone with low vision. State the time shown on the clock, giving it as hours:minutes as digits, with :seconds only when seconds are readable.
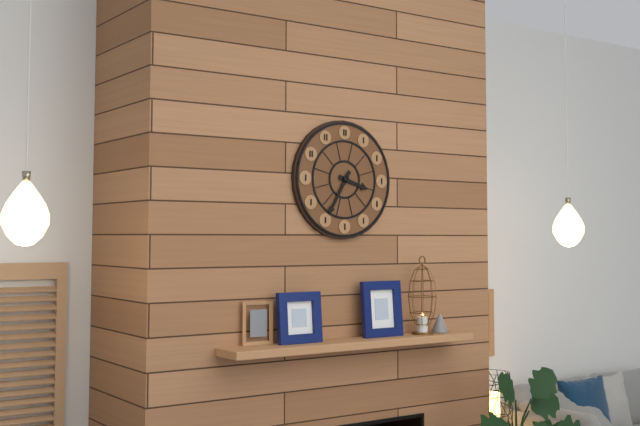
3:35
